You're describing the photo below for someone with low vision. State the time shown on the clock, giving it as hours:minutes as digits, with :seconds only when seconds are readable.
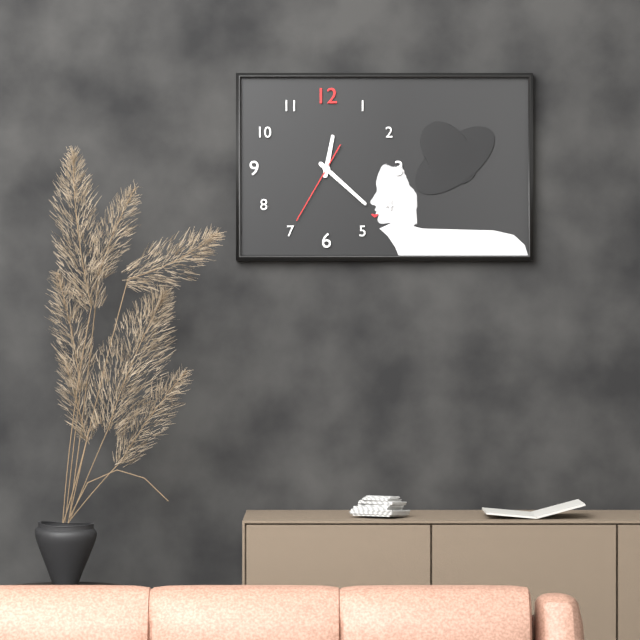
12:22:35
